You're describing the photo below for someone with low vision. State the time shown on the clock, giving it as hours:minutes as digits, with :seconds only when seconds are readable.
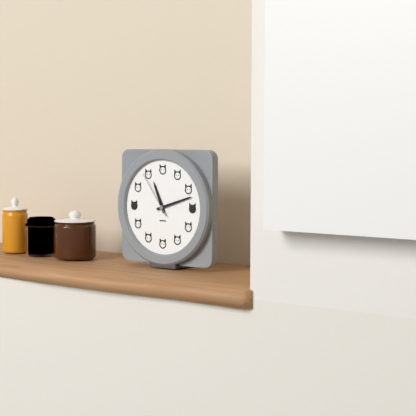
11:12
